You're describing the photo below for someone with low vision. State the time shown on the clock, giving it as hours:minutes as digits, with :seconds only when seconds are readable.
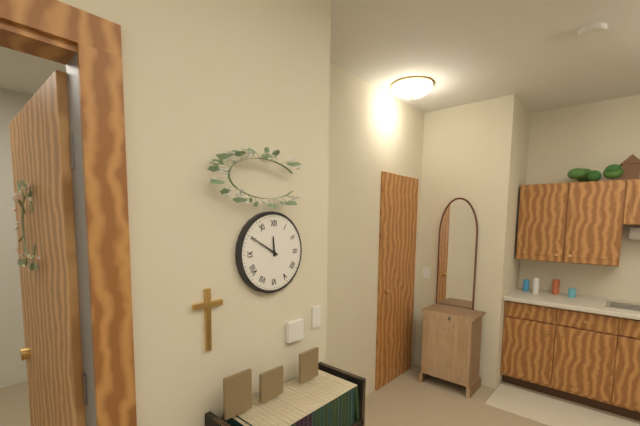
11:50
